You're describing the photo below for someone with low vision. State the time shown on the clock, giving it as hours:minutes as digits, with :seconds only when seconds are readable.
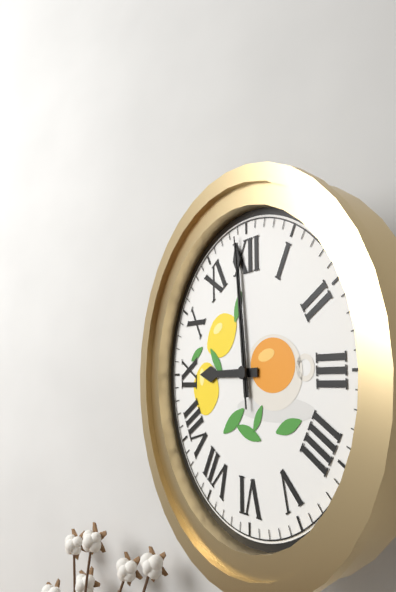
8:59:59
